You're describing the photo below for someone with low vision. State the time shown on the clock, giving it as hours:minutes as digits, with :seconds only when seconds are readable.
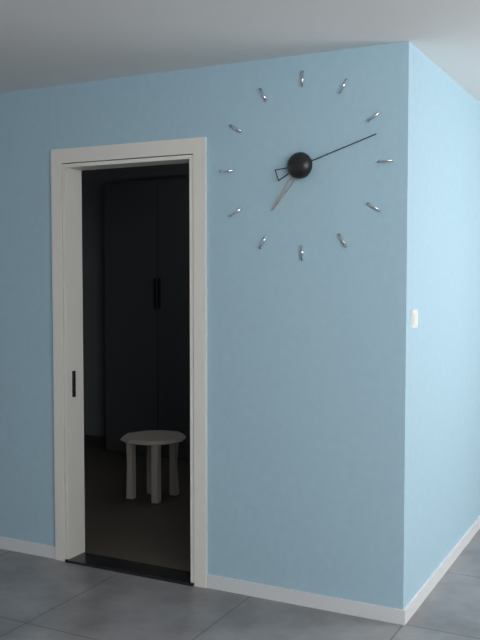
7:12
